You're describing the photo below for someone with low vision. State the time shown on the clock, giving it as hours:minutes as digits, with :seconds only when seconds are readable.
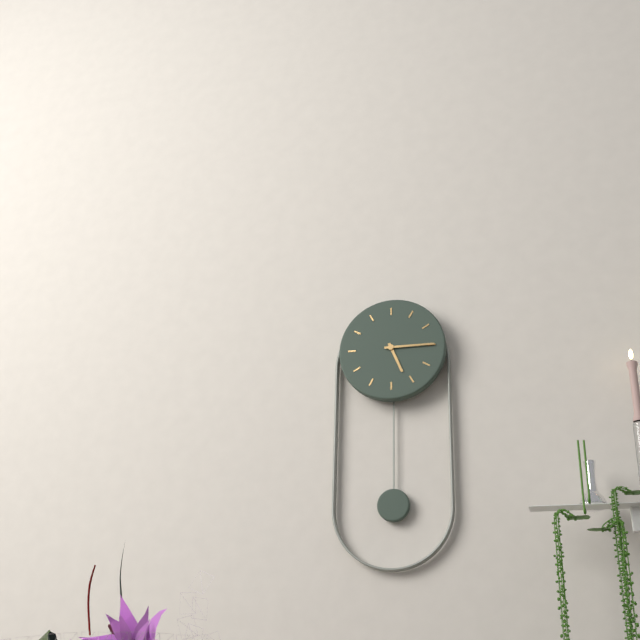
5:15
